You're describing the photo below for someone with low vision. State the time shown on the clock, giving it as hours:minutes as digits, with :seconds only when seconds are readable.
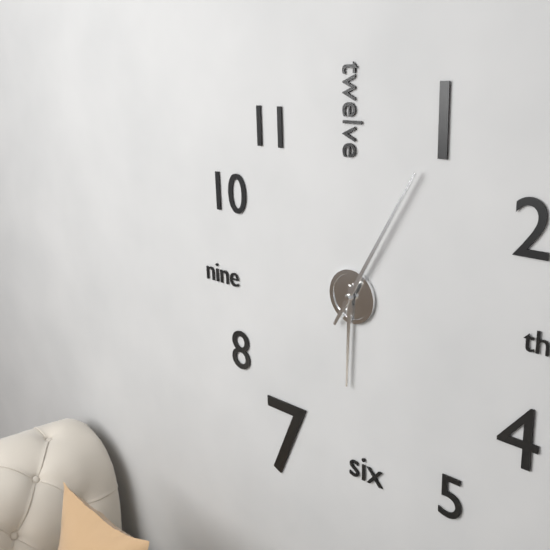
6:05
